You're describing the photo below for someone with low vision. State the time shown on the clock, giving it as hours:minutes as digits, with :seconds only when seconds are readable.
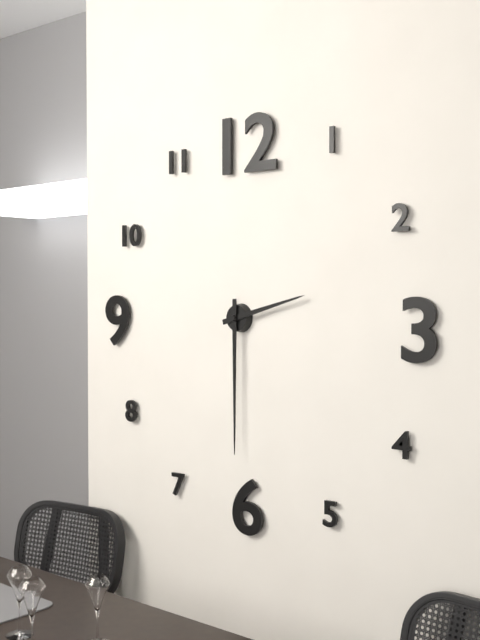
2:30
